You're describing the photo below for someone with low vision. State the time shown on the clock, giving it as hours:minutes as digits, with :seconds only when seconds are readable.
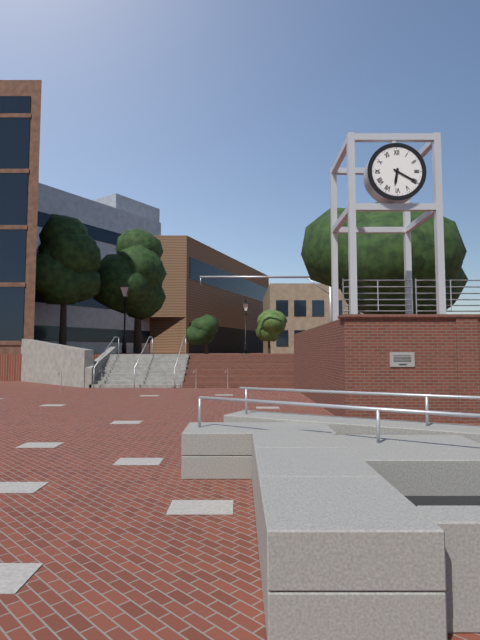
6:20
